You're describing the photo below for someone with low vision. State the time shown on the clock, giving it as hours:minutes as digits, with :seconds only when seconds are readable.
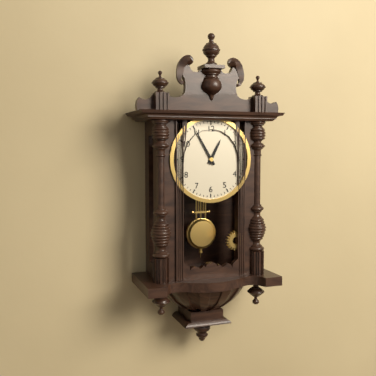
12:55
